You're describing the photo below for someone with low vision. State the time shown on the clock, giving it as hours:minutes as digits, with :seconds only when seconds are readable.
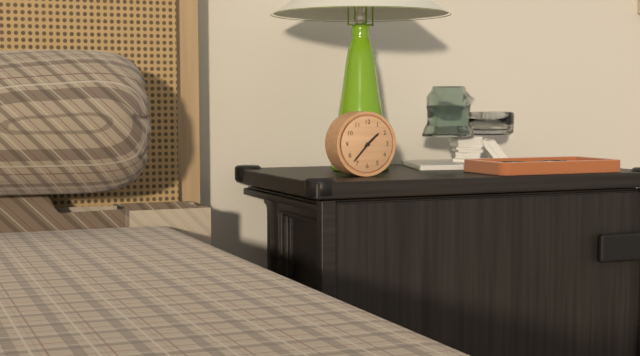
1:37
